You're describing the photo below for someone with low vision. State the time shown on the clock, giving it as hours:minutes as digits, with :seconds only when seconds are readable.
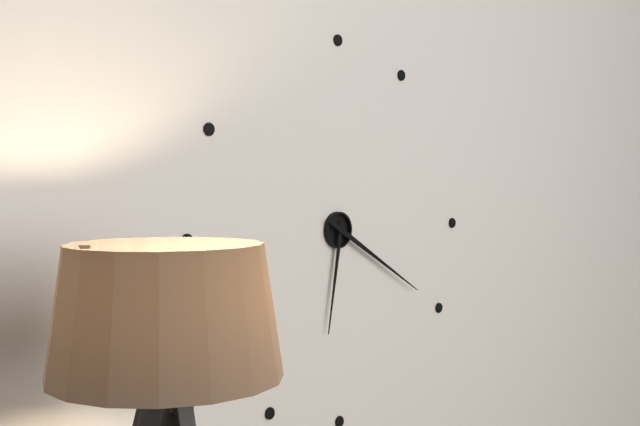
6:20
